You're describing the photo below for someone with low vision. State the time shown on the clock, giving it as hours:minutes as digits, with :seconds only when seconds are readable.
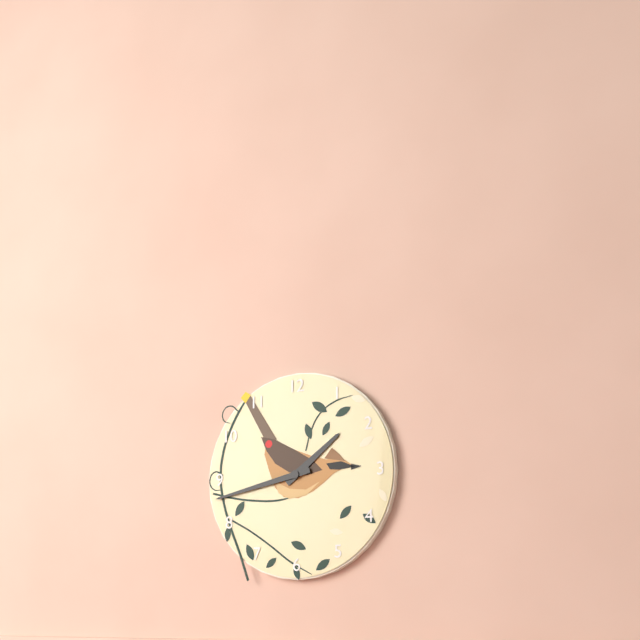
1:43
